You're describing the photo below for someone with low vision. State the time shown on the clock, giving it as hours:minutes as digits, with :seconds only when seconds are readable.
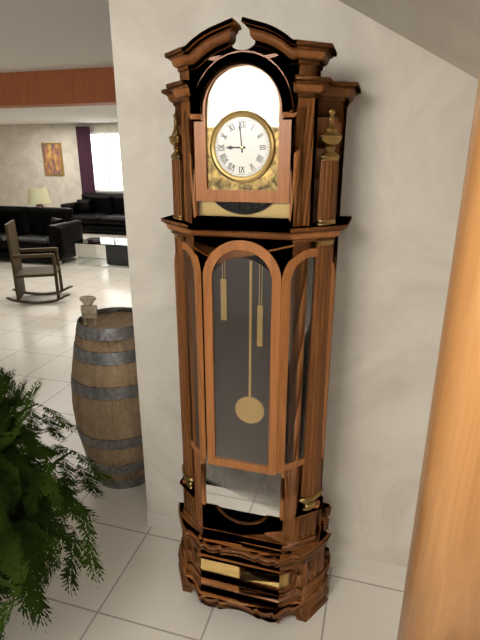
8:59
